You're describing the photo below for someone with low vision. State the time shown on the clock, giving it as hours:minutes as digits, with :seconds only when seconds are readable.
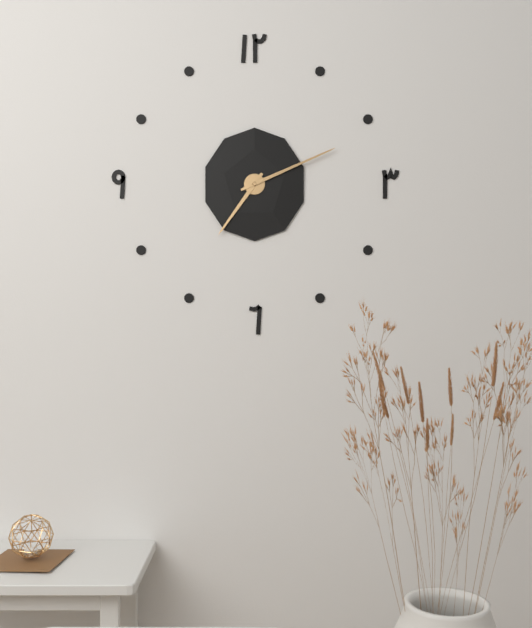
7:11
